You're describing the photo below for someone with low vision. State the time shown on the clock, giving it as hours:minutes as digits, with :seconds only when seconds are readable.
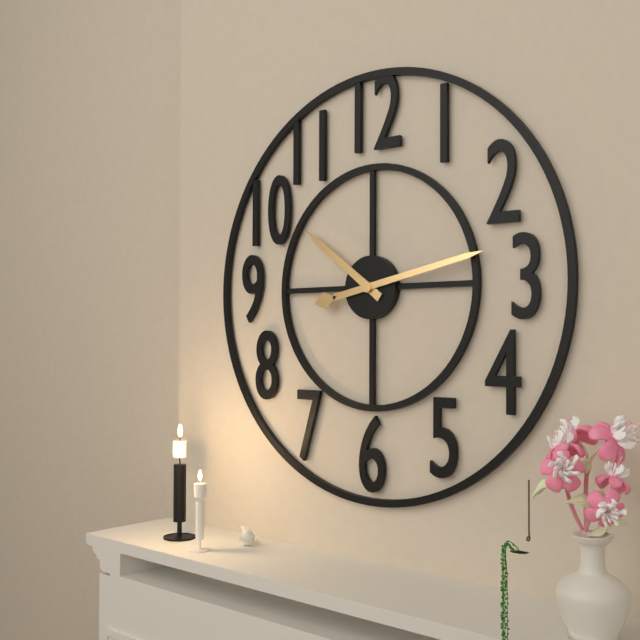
10:13
